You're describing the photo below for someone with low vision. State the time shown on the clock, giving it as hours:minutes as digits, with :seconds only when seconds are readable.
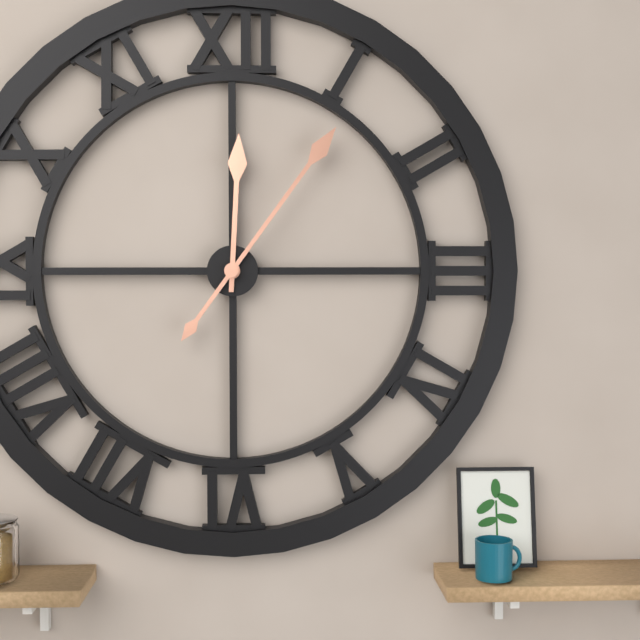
12:06
